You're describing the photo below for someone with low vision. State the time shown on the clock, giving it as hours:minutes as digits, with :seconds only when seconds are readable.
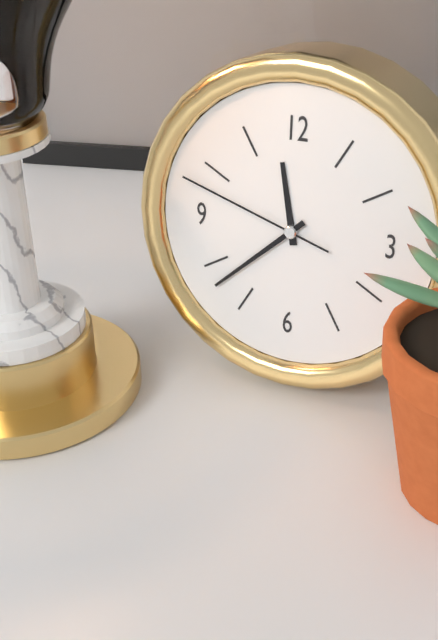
11:38:48
